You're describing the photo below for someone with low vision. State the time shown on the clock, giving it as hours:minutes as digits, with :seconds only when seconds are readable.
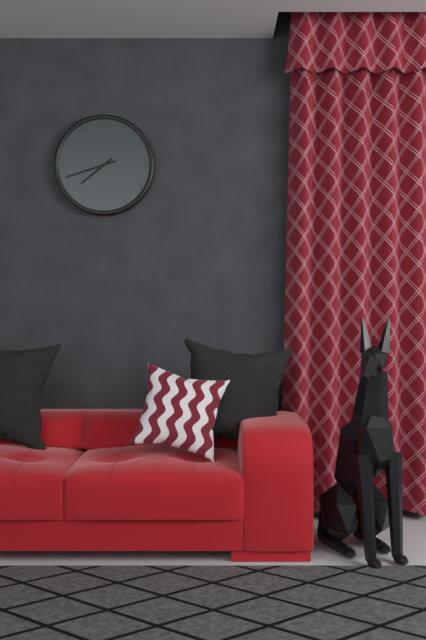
7:42
